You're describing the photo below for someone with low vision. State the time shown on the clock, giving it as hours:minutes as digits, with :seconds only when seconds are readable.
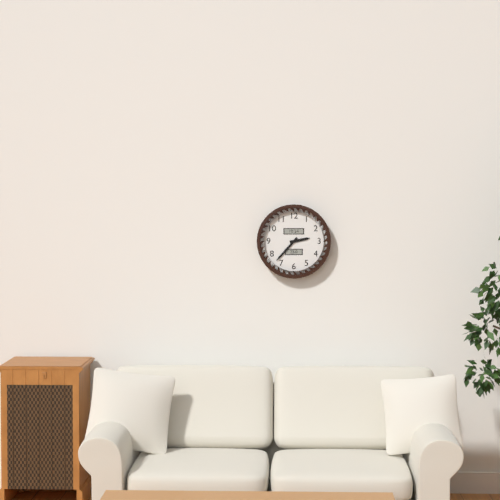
2:37
